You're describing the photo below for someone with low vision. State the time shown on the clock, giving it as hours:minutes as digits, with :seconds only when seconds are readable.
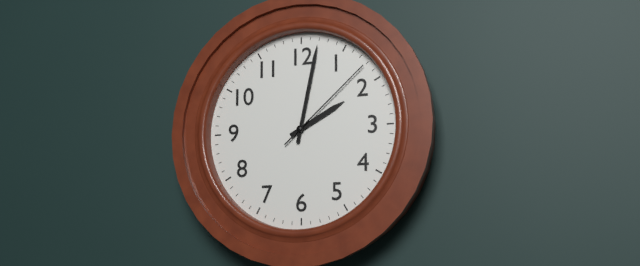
2:02:08
